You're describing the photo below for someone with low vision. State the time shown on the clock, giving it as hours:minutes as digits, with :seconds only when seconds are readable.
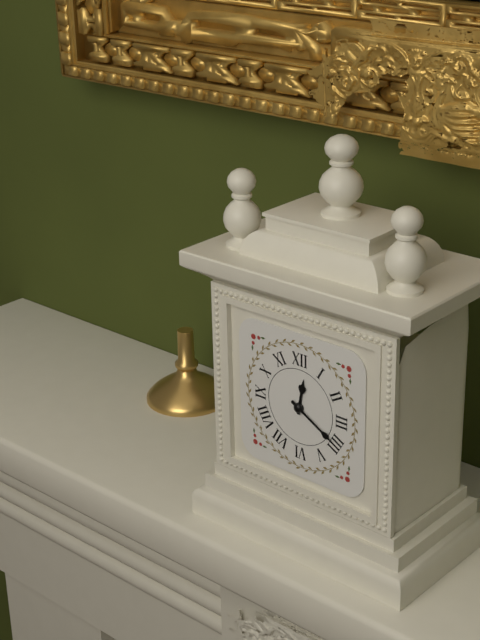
12:20
